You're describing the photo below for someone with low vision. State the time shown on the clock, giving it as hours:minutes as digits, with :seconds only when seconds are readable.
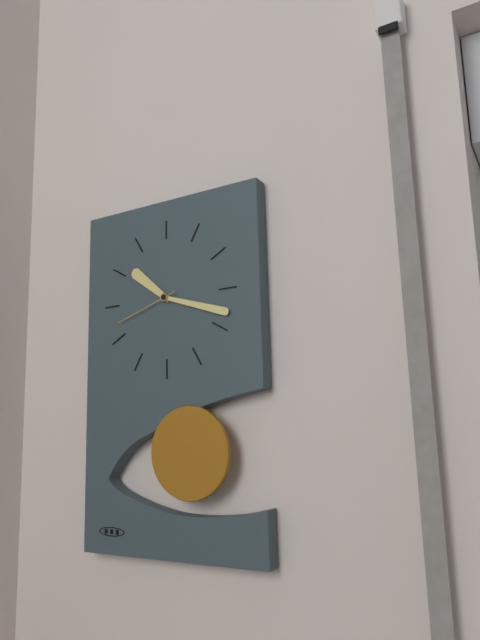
10:18:42
